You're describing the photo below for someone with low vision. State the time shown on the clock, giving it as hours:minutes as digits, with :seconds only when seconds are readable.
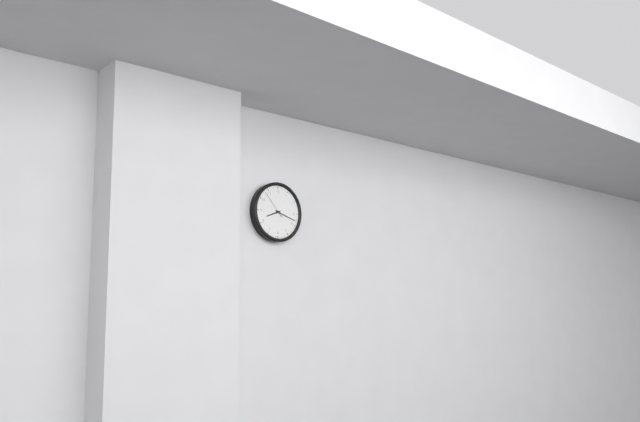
8:18
